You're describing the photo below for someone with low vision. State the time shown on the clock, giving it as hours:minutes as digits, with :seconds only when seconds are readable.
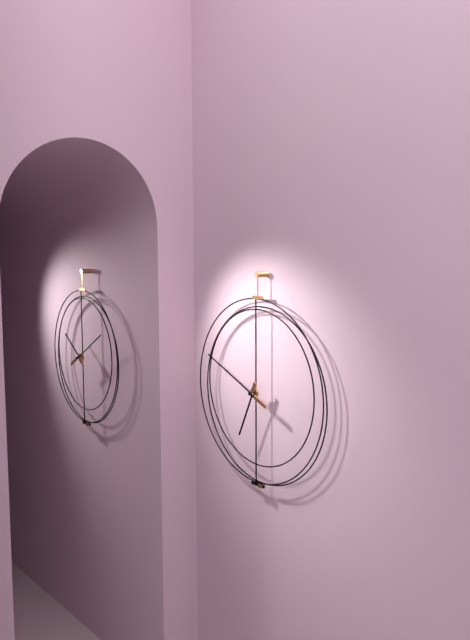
6:49
